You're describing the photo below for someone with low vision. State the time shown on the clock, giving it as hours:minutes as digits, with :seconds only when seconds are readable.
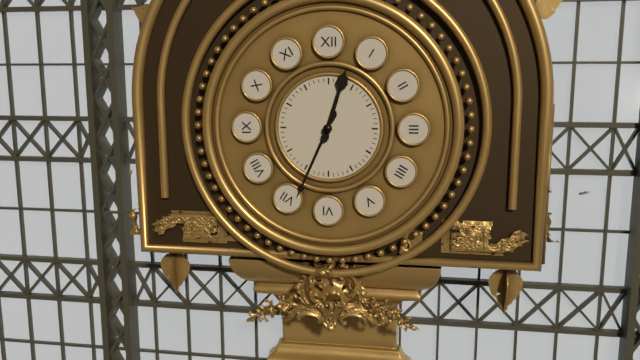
12:34
